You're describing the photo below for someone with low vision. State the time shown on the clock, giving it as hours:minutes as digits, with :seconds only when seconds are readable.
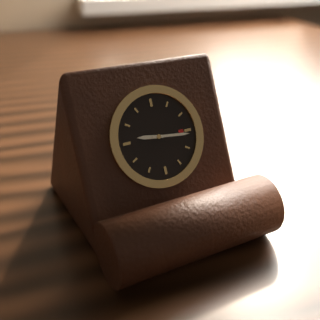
9:16
